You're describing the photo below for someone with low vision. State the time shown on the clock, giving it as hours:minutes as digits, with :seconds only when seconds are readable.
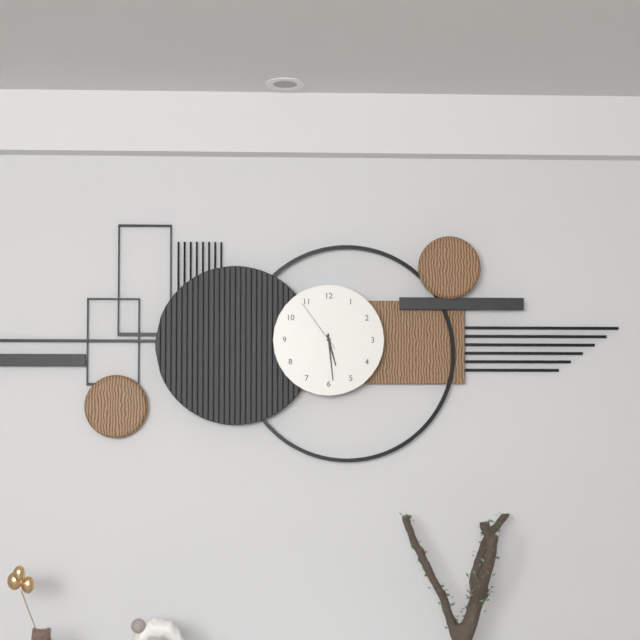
5:29:54
